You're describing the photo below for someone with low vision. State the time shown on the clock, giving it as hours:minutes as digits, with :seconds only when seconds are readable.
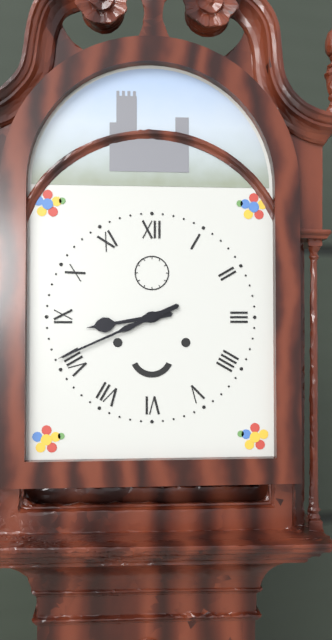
8:41
